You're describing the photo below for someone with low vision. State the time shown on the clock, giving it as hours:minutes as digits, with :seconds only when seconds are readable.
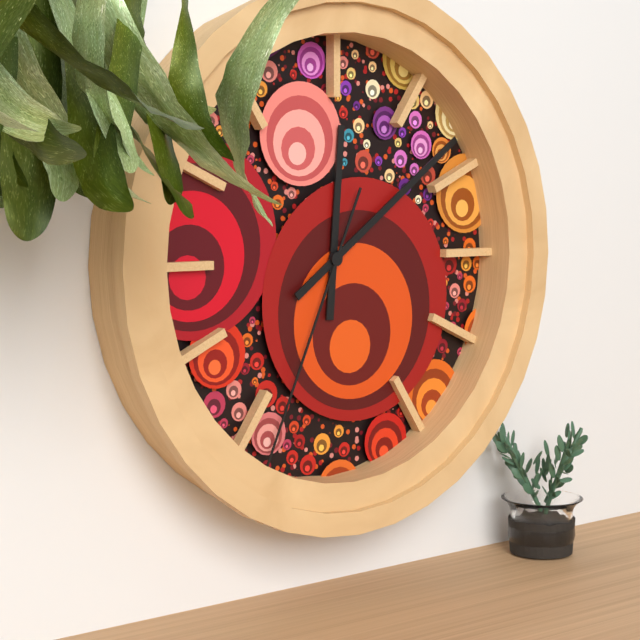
12:09:34
